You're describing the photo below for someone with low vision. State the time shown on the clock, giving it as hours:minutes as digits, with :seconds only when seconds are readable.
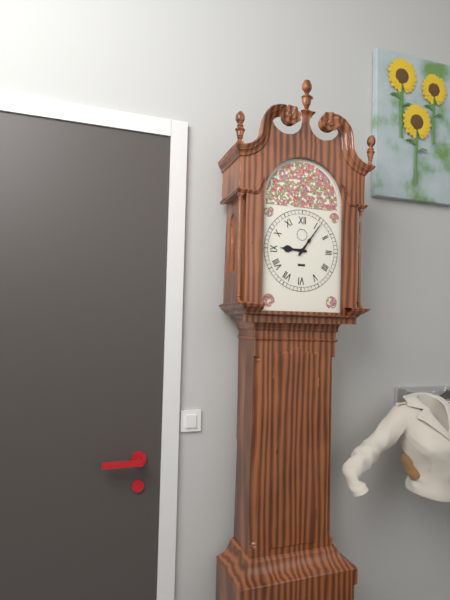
9:06
